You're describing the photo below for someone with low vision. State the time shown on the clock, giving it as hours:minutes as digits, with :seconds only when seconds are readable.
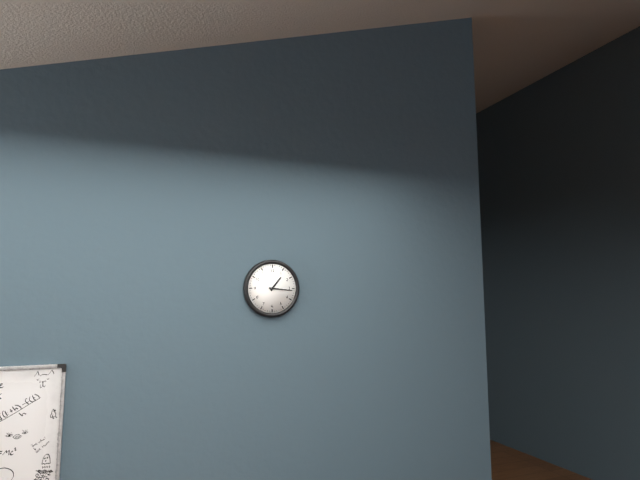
1:16
